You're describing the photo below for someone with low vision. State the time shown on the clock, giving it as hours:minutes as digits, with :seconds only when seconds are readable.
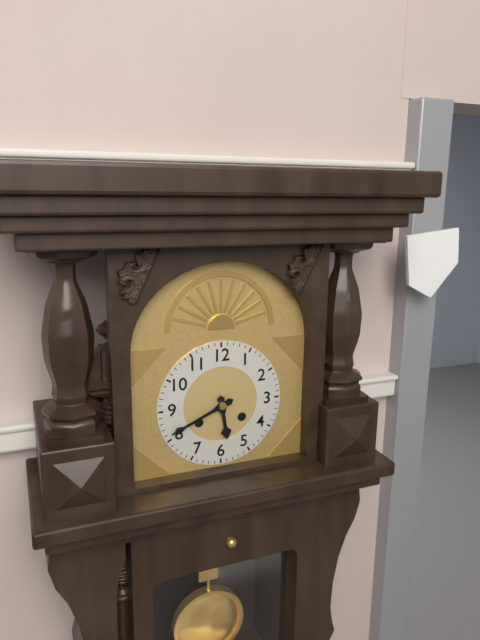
5:41
